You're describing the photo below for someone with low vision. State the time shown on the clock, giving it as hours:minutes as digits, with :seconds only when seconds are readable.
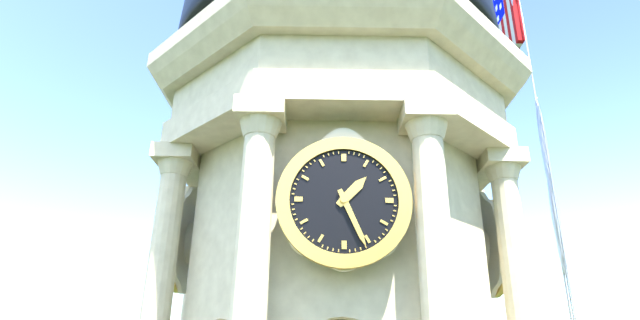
1:26
